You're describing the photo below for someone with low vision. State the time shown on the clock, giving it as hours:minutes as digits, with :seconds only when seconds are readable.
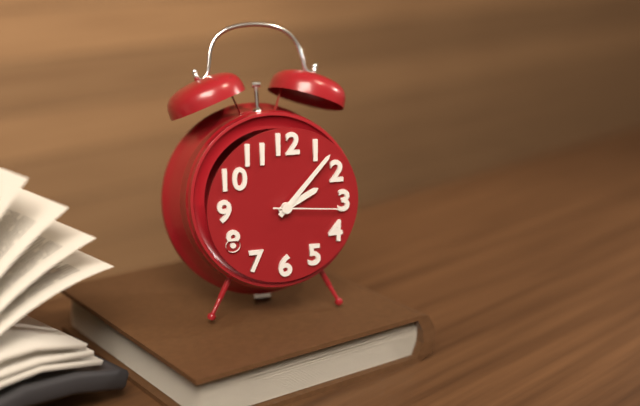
2:07:16
